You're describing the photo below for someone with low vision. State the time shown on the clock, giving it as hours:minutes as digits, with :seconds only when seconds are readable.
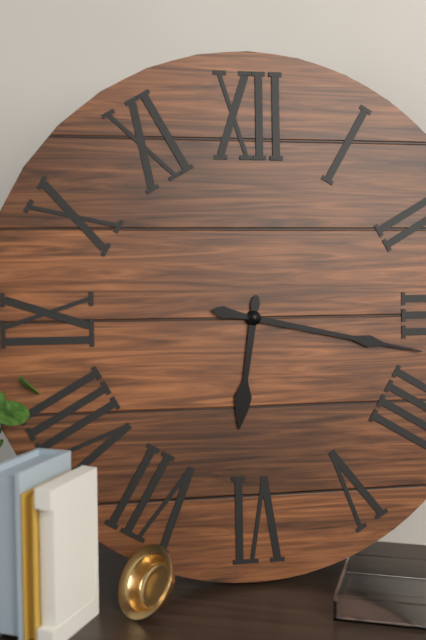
6:17
